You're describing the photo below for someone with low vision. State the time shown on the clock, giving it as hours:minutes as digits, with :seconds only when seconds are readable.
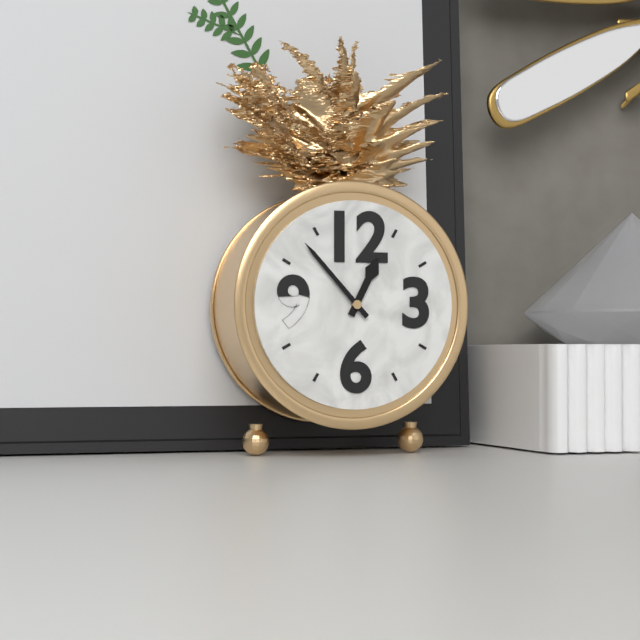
12:53
